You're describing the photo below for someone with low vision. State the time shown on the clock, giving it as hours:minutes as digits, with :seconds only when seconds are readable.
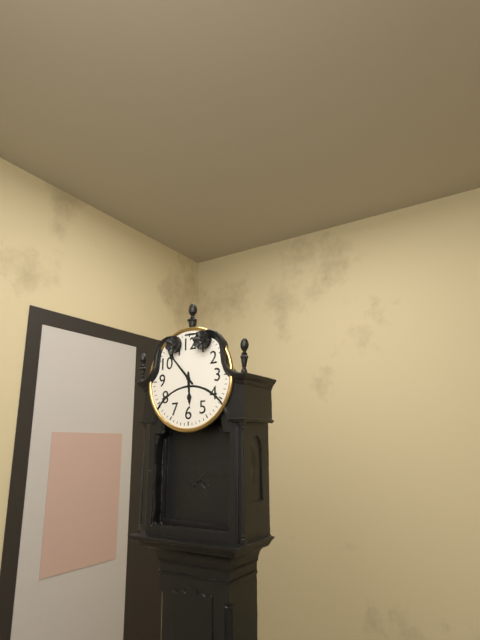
5:53
